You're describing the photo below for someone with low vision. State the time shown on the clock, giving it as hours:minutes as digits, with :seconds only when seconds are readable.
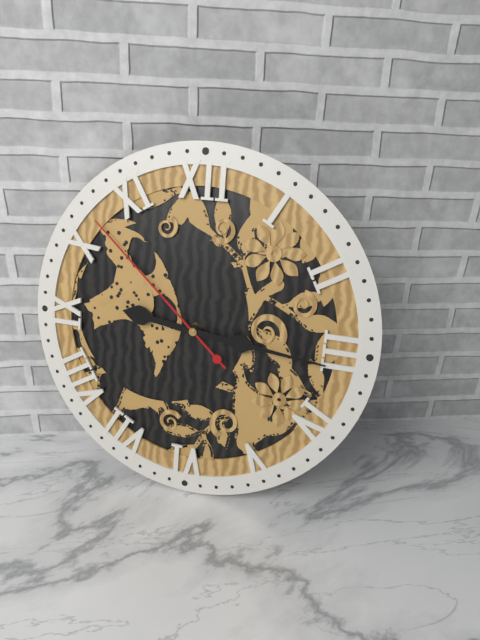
9:16:52
